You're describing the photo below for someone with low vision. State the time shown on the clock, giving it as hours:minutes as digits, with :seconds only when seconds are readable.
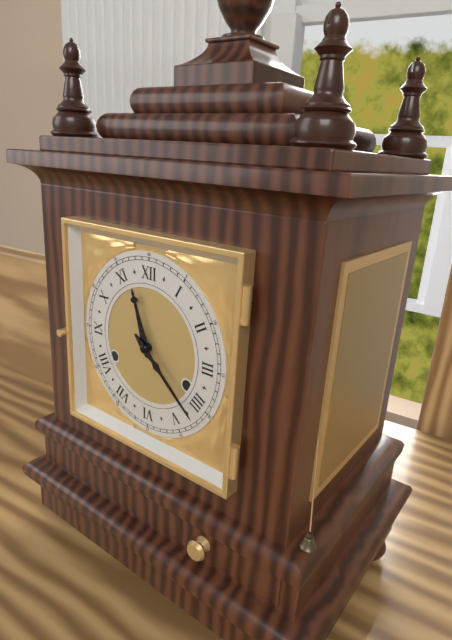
11:22
